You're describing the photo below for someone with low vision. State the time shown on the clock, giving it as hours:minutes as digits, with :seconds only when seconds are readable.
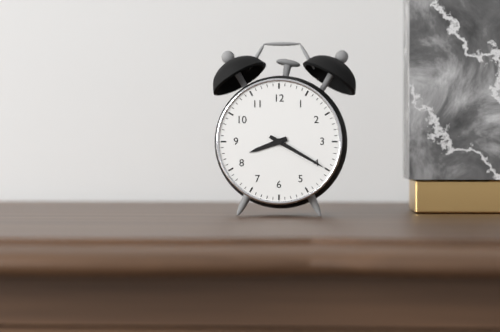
8:20
